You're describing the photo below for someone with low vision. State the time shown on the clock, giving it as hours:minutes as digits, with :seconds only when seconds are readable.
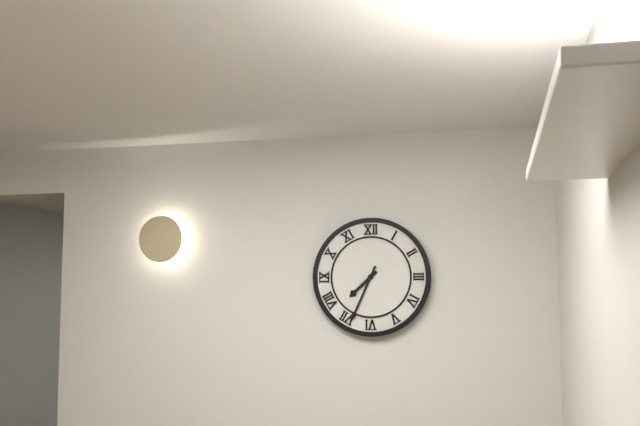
7:34
